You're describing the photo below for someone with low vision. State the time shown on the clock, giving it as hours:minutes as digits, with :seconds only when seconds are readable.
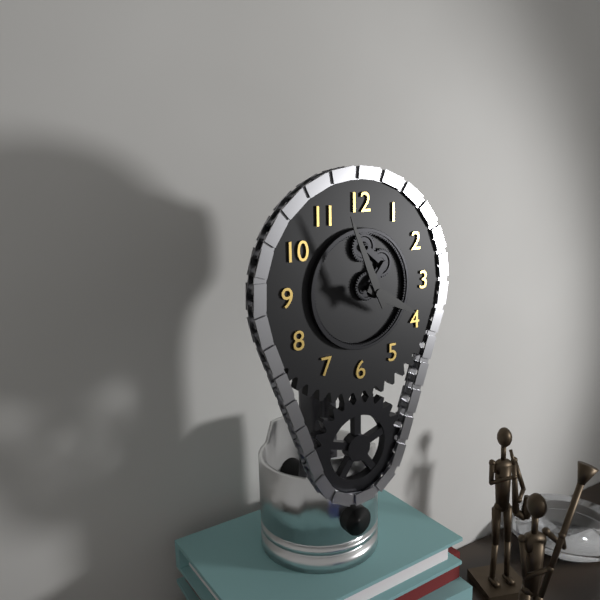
3:56
